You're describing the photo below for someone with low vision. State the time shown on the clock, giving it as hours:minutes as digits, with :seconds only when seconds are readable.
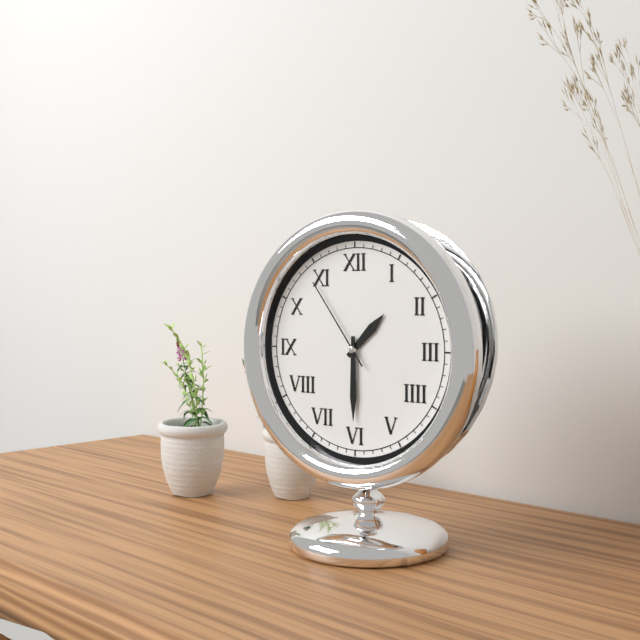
1:30:54
